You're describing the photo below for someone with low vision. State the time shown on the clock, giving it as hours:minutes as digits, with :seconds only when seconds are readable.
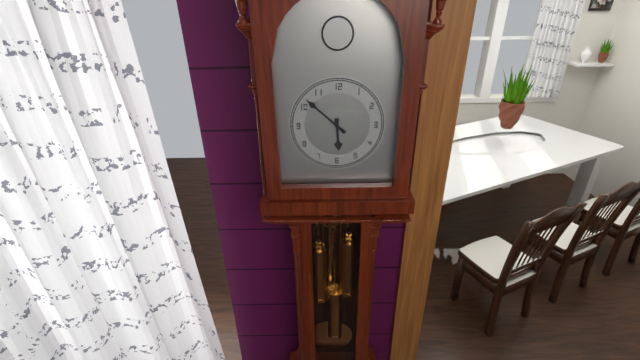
5:52
